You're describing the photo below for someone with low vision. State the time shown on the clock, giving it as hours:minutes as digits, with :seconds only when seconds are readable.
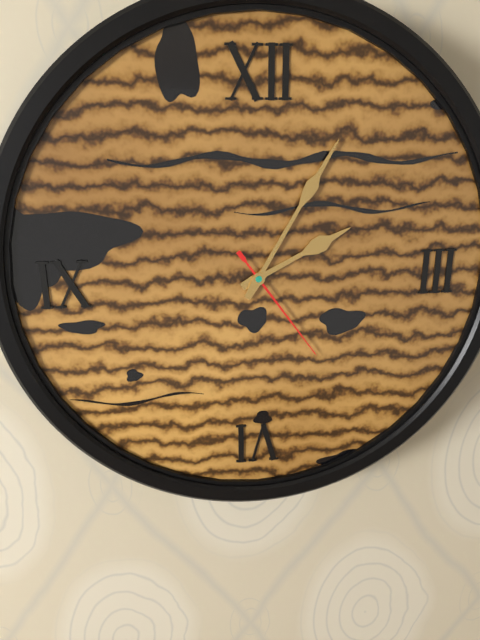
2:05:24
